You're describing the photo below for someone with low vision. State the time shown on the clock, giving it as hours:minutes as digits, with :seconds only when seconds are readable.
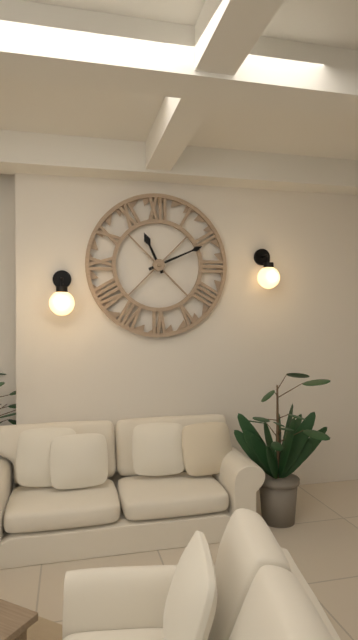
11:11
